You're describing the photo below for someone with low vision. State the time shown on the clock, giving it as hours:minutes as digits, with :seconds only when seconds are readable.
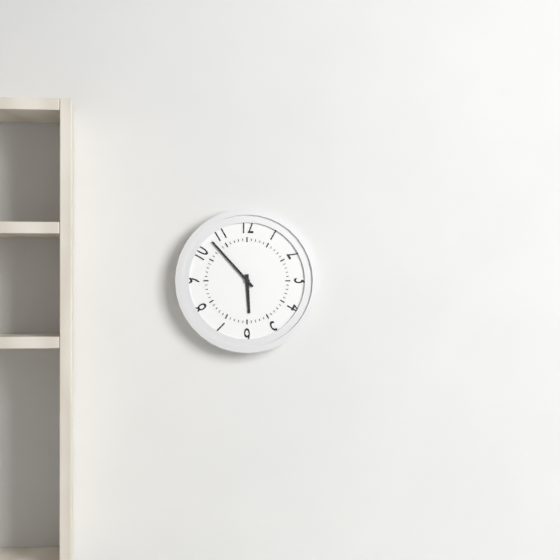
5:53
